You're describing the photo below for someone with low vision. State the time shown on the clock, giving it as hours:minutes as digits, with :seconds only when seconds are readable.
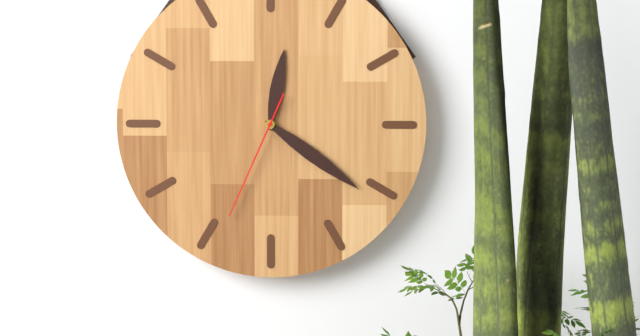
12:21:34
